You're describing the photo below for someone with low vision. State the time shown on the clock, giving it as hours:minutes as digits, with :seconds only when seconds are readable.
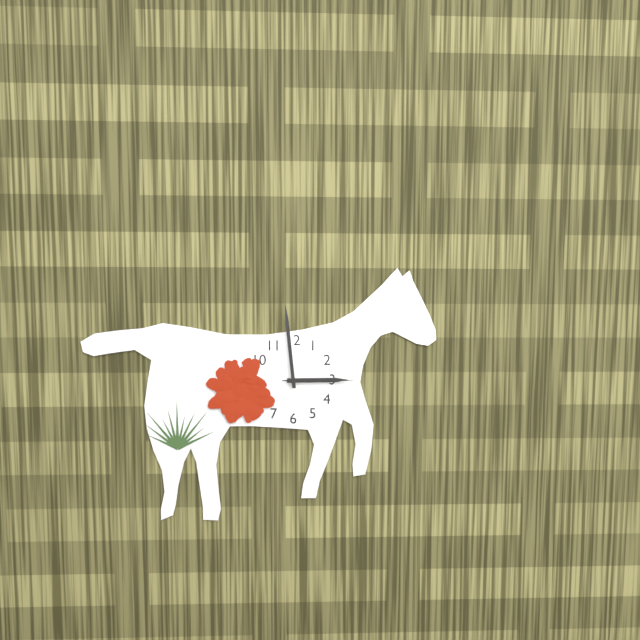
2:59:15
